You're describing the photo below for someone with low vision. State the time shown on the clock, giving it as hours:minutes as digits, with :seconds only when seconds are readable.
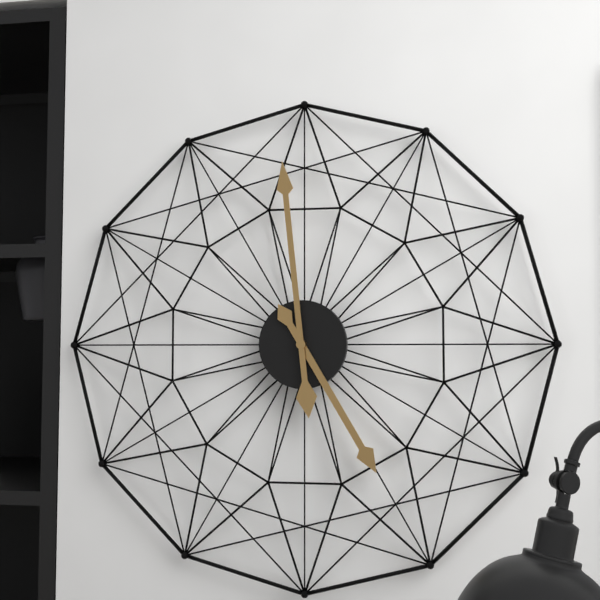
4:59
